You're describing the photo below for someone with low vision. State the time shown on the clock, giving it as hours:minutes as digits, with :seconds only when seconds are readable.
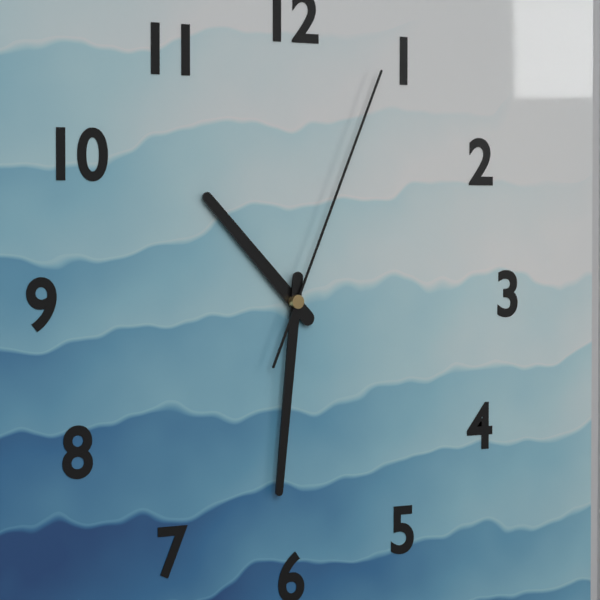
10:31:04
